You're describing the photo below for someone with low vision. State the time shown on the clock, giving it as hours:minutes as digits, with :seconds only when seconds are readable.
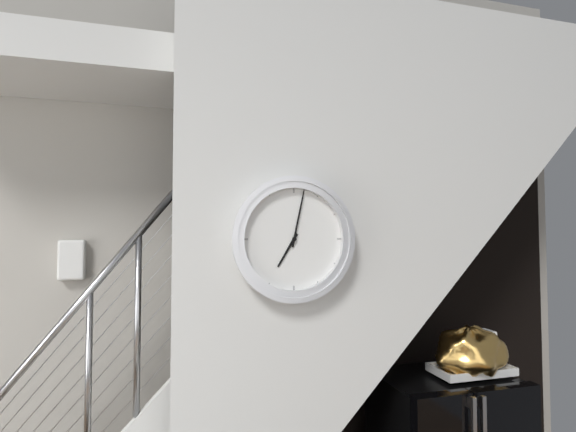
7:02
